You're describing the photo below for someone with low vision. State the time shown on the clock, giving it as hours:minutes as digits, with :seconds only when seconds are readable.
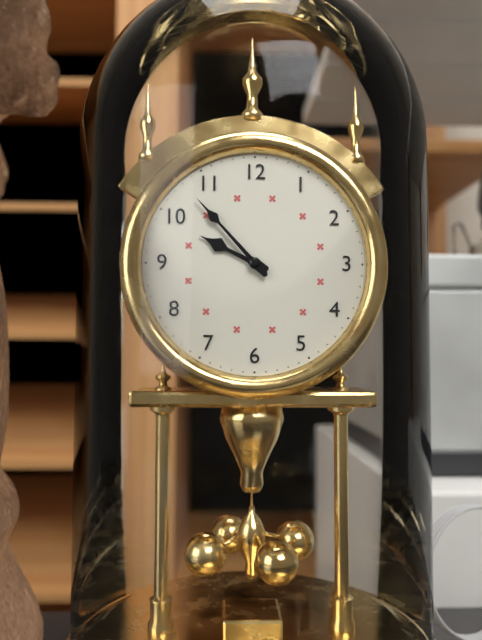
9:53
